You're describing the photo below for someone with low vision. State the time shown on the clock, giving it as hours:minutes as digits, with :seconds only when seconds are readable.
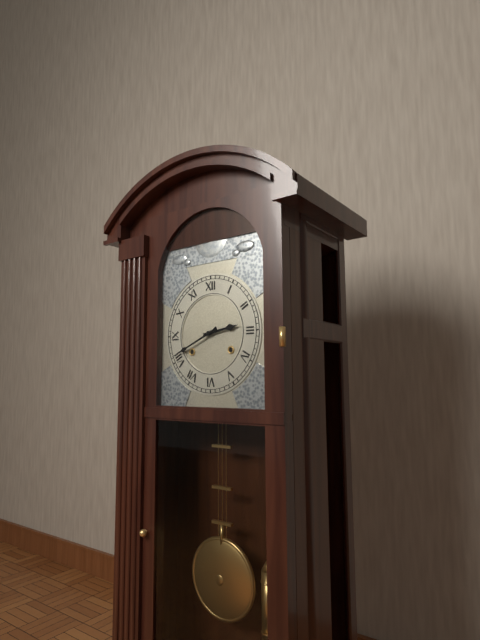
2:41
